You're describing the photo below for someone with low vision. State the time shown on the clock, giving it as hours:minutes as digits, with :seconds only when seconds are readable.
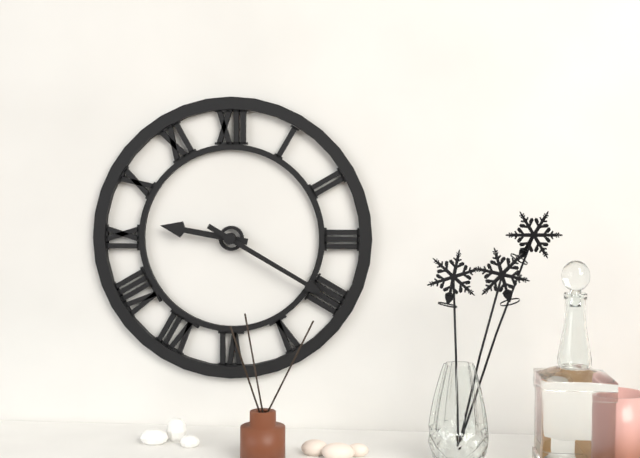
9:20
